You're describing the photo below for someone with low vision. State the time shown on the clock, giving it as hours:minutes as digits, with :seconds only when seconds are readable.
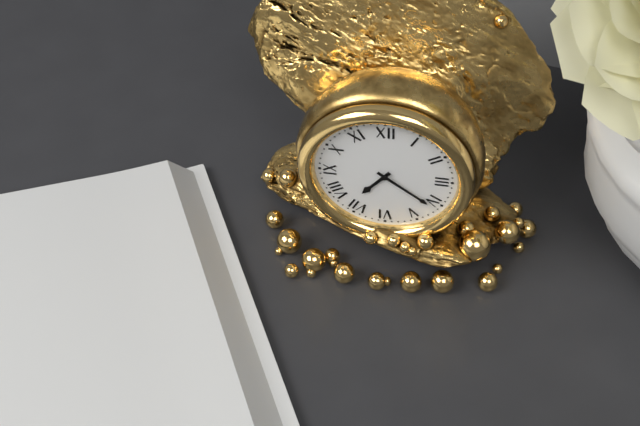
7:21
